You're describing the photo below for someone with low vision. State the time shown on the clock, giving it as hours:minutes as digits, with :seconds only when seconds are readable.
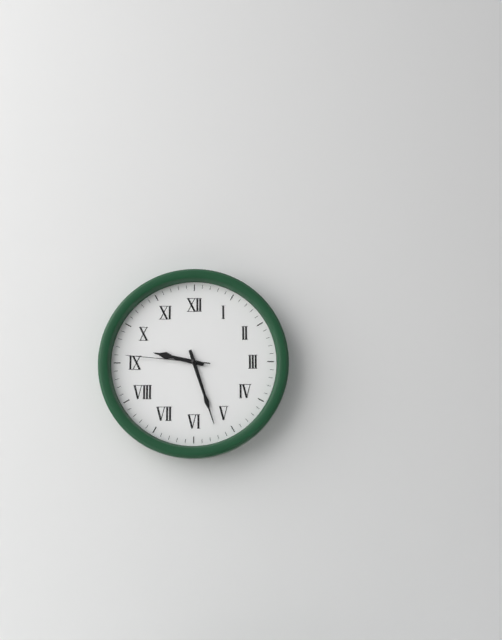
9:27:46
